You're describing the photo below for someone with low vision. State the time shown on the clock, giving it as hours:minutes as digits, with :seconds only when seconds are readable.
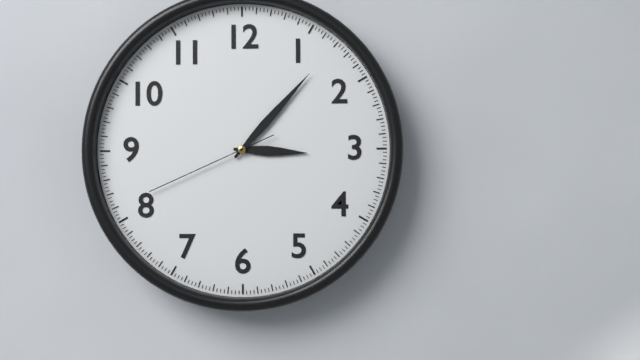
3:07:41
